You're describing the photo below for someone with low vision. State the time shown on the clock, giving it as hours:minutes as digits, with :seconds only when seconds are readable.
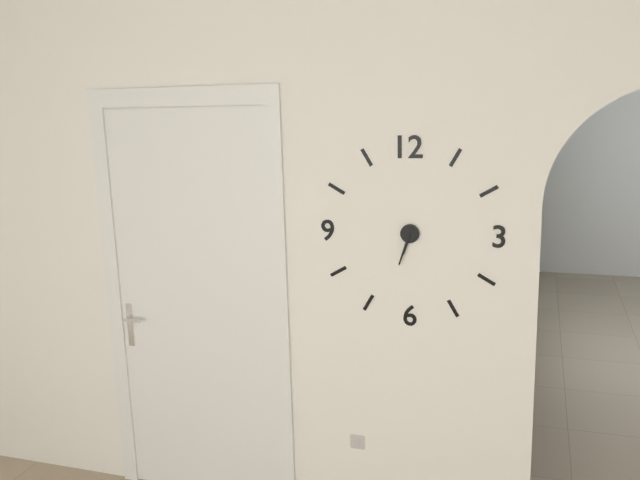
6:33
